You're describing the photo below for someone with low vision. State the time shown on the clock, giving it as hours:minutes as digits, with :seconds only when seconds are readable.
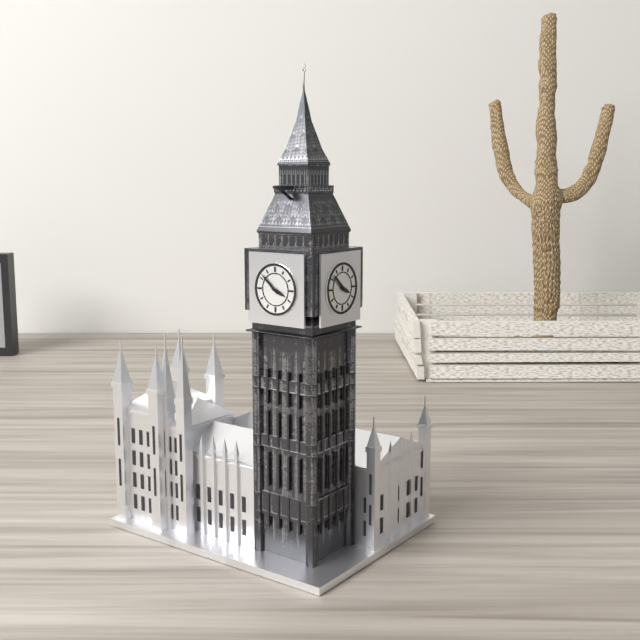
3:52
